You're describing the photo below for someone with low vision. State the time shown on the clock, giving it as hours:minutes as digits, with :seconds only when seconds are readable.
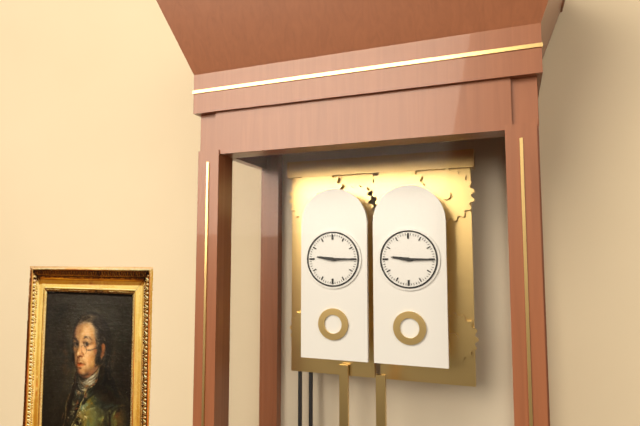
9:15
